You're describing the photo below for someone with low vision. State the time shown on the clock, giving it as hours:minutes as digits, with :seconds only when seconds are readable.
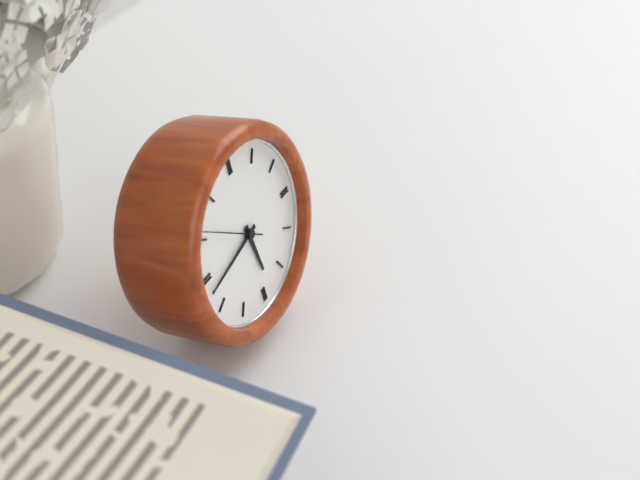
5:43:51
